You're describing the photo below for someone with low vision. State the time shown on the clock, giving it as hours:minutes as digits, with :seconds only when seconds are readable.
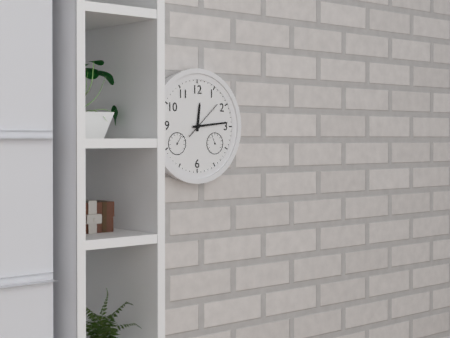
12:14
